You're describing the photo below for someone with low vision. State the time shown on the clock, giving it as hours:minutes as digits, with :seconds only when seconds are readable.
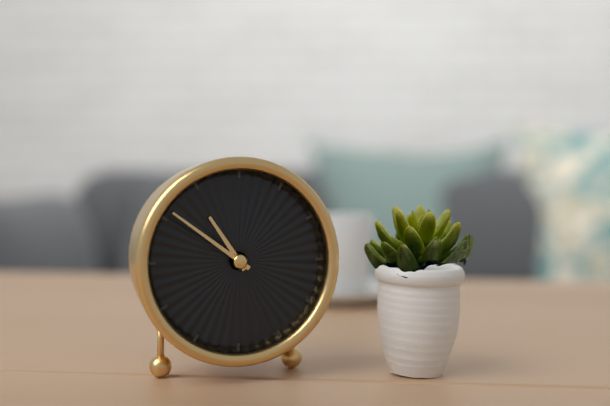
10:51
